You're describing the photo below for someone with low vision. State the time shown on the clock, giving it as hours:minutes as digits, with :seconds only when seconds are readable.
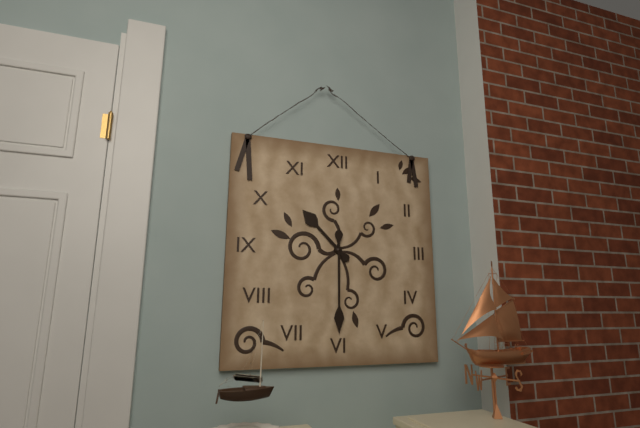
10:30
